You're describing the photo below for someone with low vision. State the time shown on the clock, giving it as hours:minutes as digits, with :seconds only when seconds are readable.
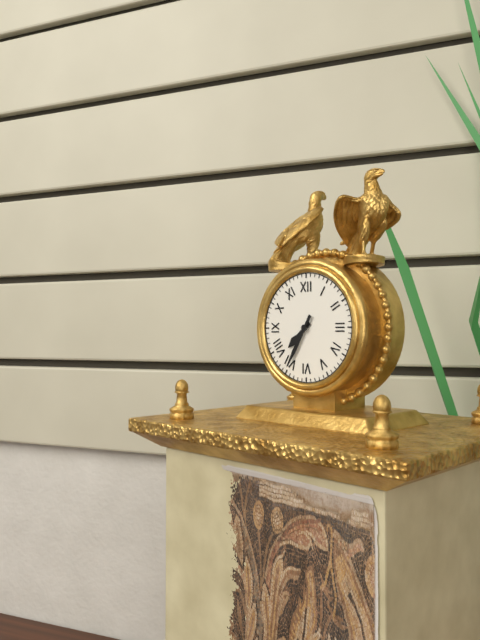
7:35
